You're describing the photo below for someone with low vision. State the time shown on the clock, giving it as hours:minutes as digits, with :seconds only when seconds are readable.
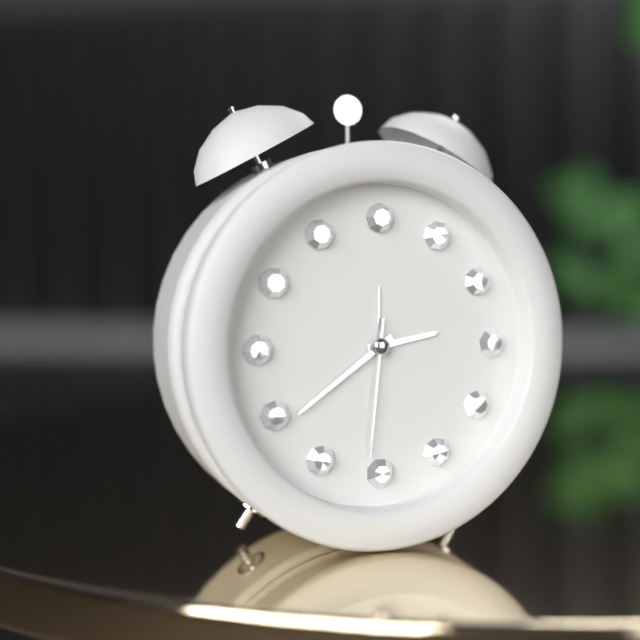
2:39:31
